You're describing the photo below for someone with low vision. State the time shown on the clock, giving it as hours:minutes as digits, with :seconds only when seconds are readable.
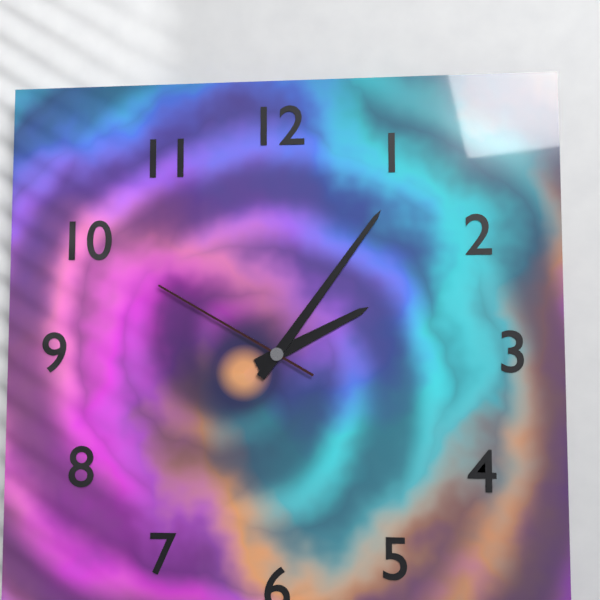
2:06:50
